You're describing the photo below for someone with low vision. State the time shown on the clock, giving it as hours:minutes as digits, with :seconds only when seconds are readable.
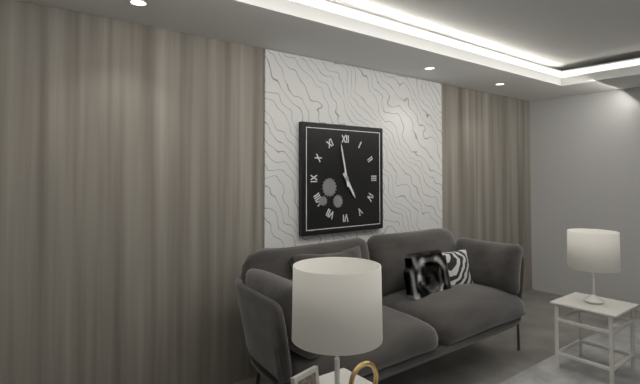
4:58
